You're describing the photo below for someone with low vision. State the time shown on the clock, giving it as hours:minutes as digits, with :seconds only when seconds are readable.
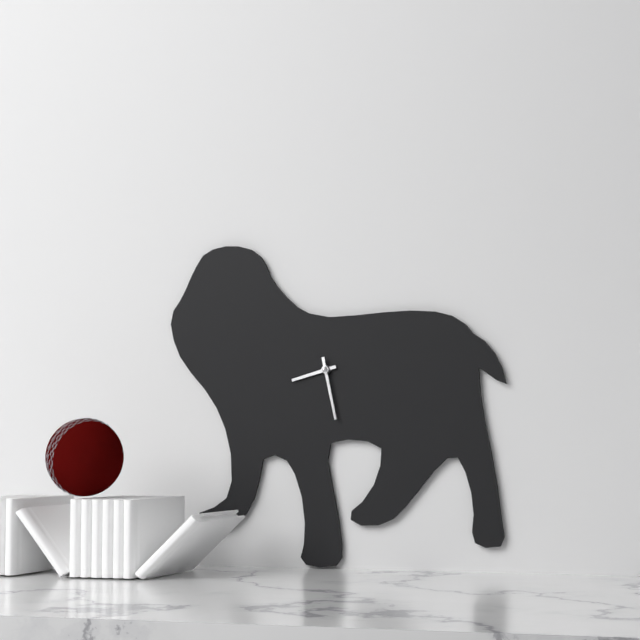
8:28
